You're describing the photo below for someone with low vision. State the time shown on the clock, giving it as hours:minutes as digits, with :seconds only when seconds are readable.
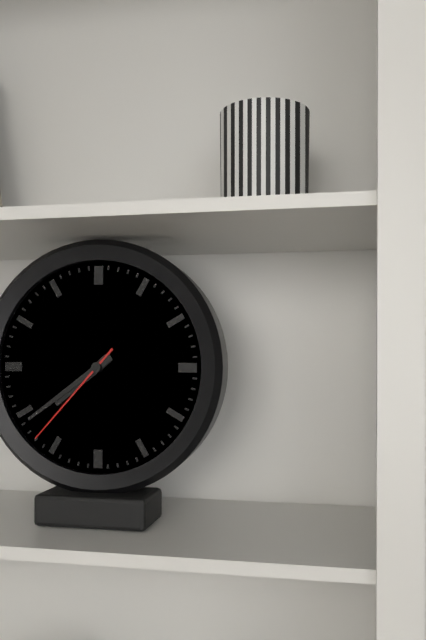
7:39:37
